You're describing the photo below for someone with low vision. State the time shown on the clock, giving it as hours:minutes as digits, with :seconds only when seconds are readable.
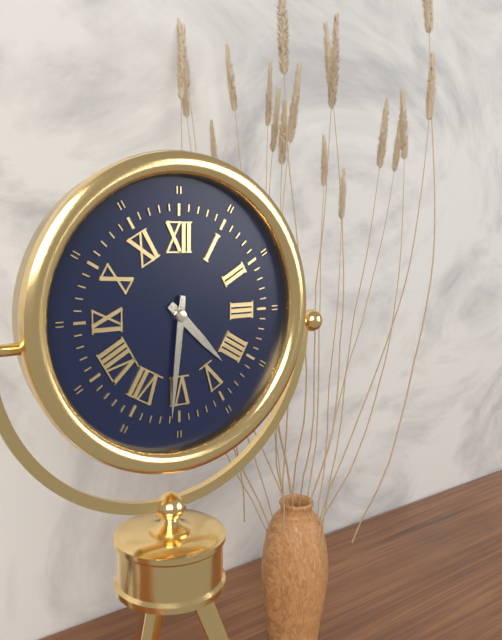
4:31
